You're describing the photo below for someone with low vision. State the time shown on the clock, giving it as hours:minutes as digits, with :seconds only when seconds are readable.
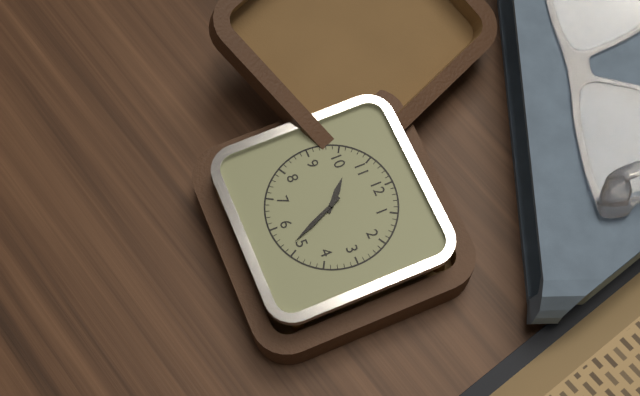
10:26
